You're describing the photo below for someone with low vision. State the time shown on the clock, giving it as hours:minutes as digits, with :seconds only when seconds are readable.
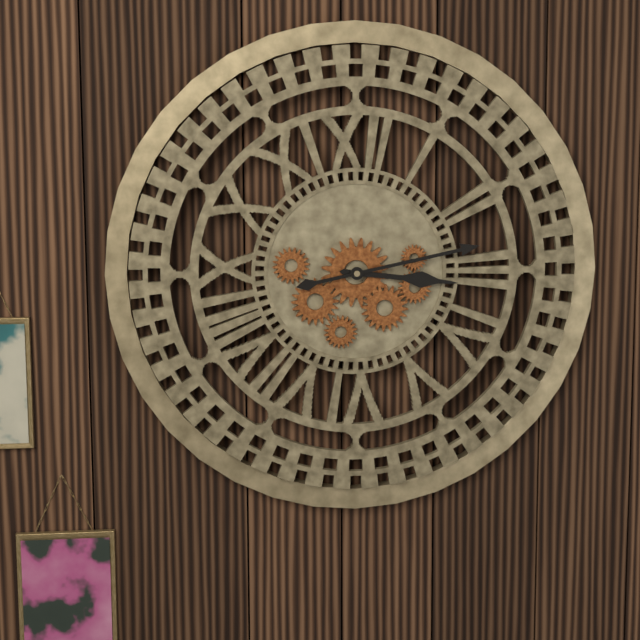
3:13
